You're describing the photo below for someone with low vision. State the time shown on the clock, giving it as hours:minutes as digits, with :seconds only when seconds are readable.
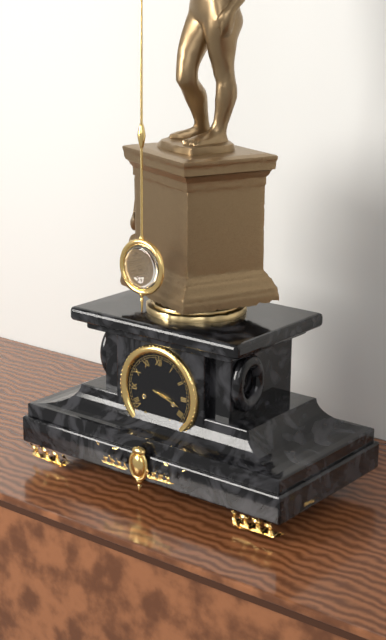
3:18
